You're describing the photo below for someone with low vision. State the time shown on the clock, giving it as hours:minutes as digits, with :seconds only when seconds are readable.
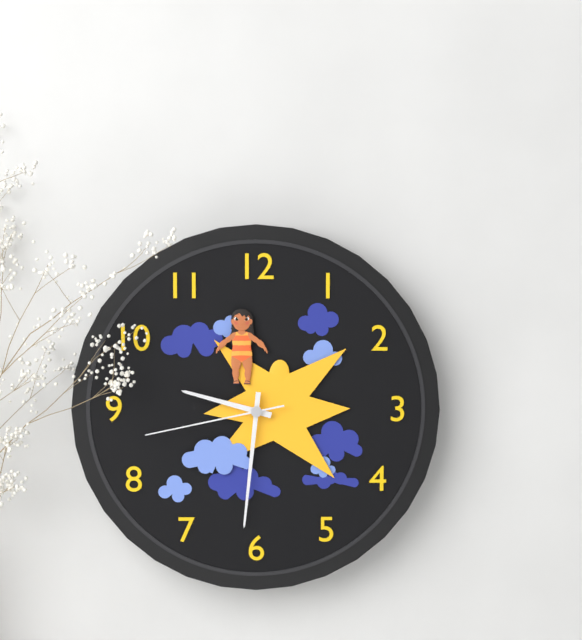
9:31:43
